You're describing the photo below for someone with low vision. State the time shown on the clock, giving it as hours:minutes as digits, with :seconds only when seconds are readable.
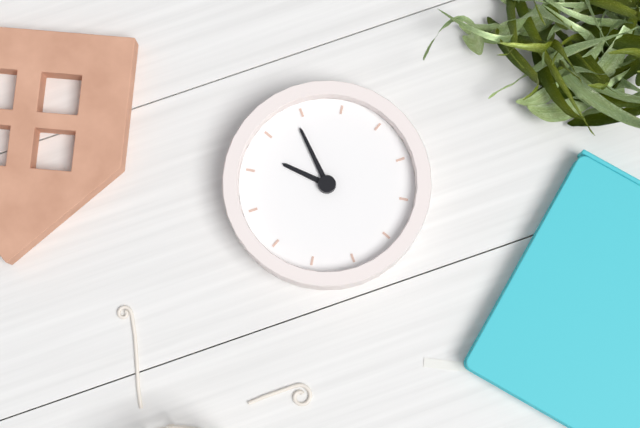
4:29
